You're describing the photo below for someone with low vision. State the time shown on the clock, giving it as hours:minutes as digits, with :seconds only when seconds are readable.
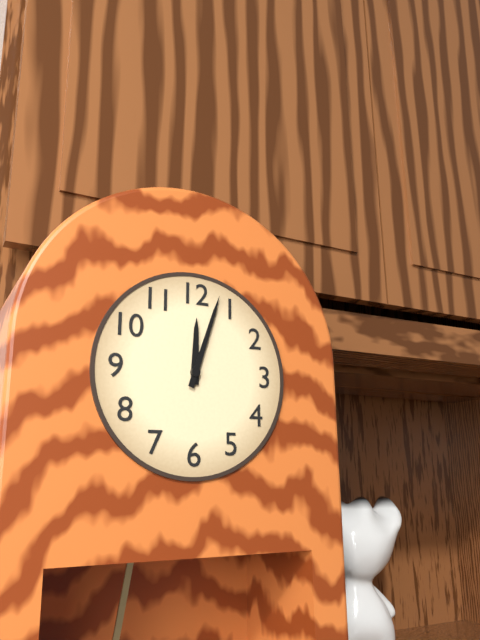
12:03
